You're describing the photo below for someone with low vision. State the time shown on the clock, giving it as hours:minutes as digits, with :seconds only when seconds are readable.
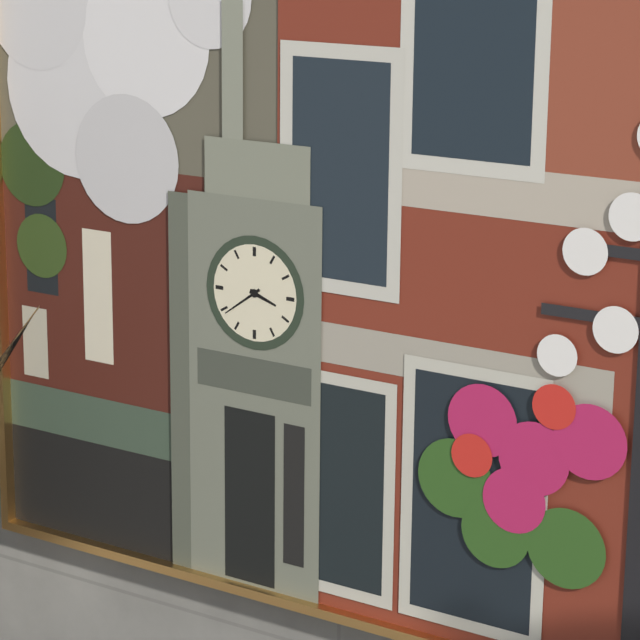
3:39
